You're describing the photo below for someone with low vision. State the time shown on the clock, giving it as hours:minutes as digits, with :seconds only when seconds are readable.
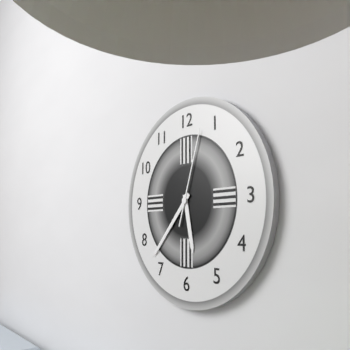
5:37:03
